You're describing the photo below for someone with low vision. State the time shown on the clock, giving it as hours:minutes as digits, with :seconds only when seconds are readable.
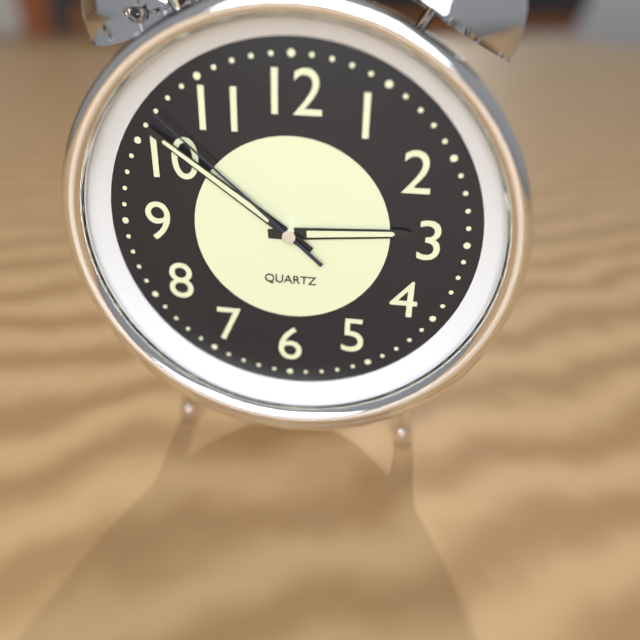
2:51:52
